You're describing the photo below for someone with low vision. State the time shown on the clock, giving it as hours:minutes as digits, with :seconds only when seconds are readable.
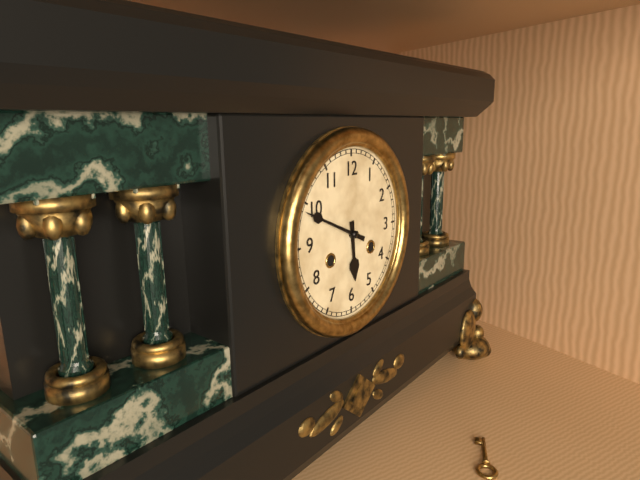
5:49
